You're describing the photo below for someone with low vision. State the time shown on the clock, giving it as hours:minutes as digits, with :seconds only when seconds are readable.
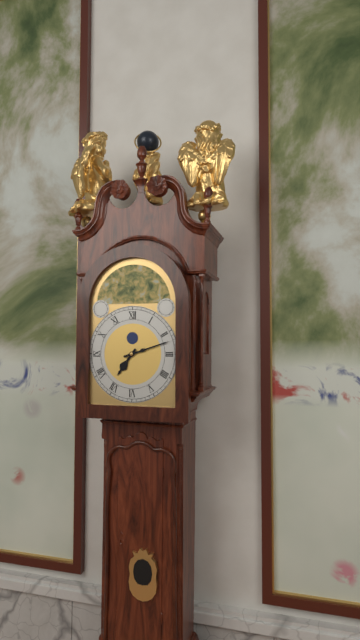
7:12
